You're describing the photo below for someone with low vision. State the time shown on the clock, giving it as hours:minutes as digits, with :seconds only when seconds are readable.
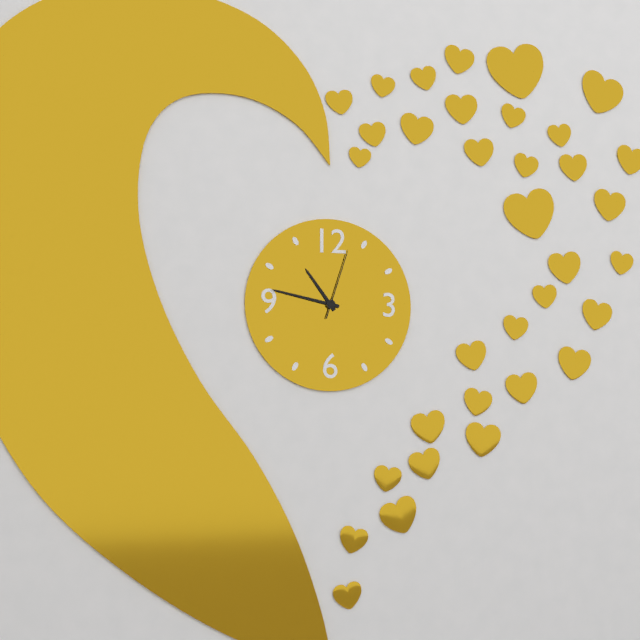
10:47:03
